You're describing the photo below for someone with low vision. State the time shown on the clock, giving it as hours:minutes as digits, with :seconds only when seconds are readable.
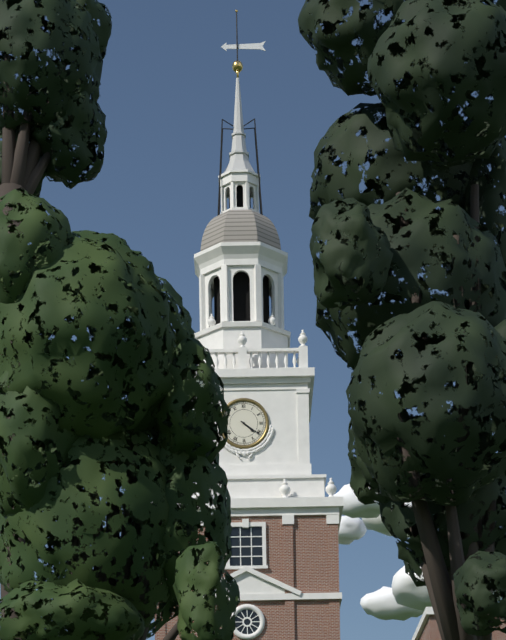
4:21
